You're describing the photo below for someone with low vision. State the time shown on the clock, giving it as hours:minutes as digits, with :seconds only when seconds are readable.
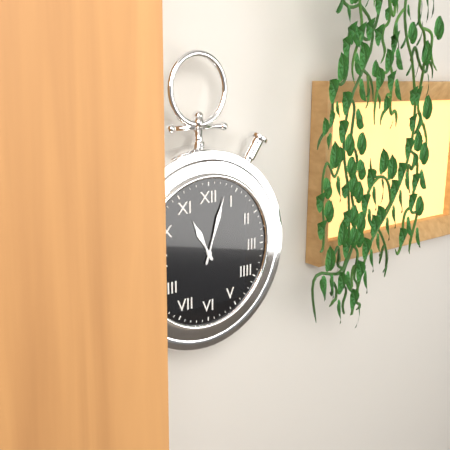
11:03
